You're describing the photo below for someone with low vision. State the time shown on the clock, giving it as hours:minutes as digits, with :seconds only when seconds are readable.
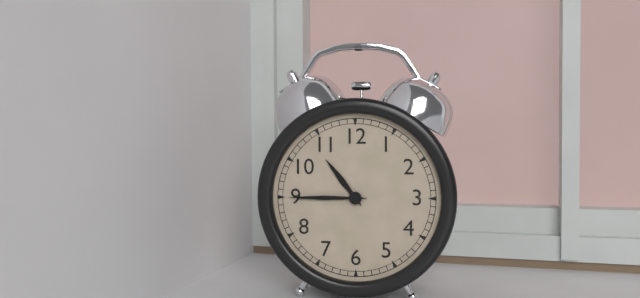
10:45
